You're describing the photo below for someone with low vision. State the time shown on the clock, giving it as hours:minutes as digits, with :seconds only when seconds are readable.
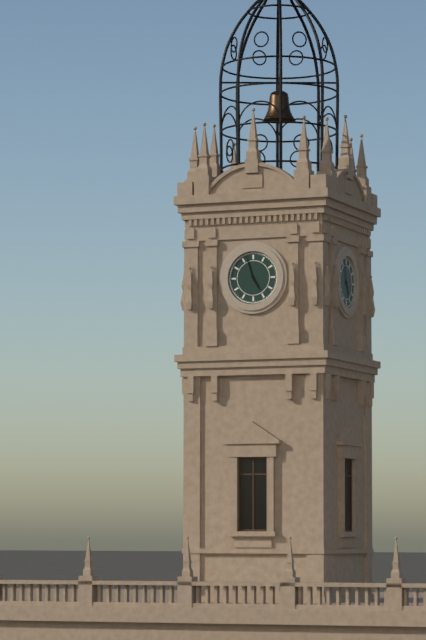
4:57
